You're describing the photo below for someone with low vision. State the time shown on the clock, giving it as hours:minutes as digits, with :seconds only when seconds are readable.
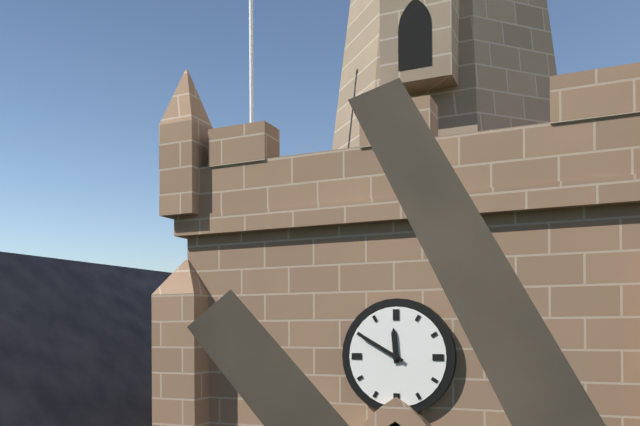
11:50
